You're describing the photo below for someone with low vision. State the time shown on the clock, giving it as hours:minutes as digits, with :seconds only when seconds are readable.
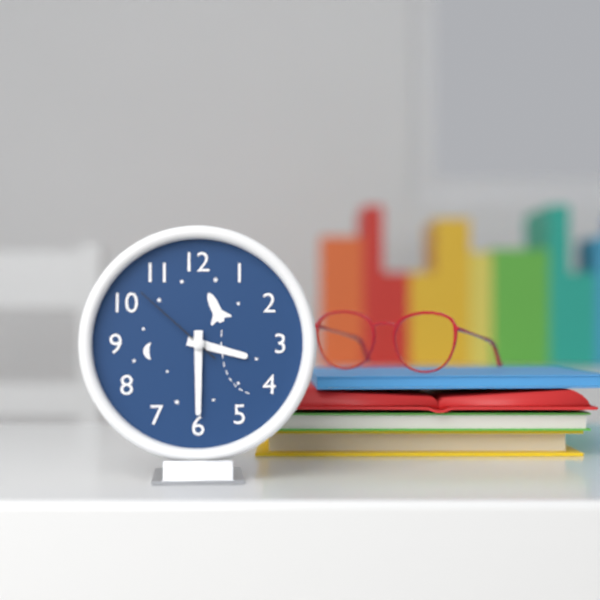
3:30:52
